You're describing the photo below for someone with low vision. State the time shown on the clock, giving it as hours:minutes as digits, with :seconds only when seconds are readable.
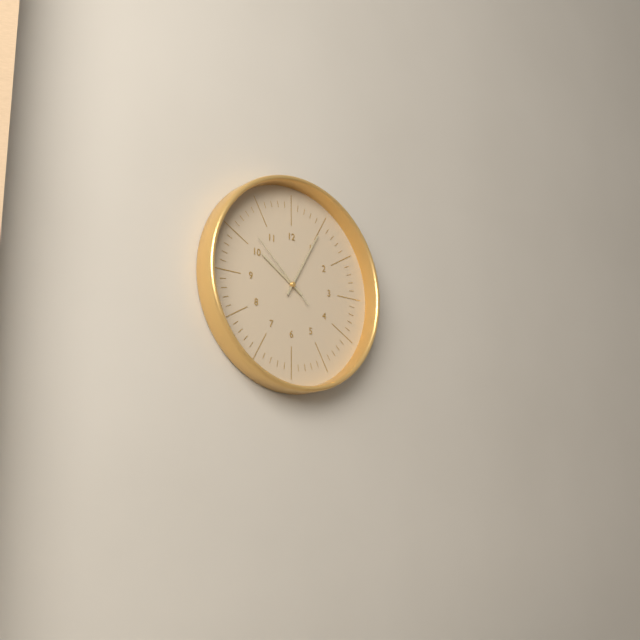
10:05:52
